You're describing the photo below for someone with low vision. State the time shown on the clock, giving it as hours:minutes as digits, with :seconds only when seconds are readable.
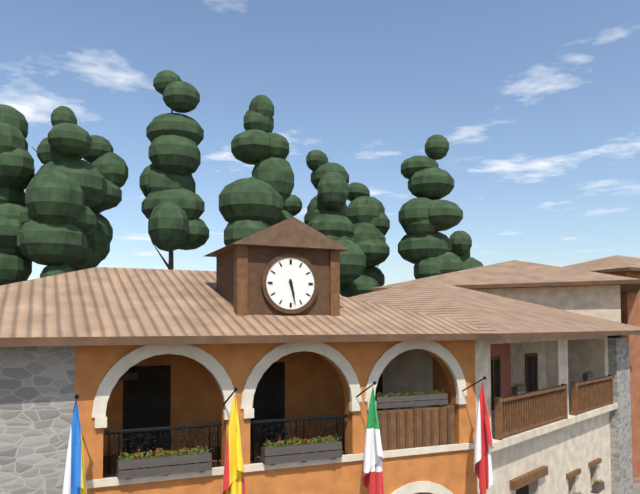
5:28
